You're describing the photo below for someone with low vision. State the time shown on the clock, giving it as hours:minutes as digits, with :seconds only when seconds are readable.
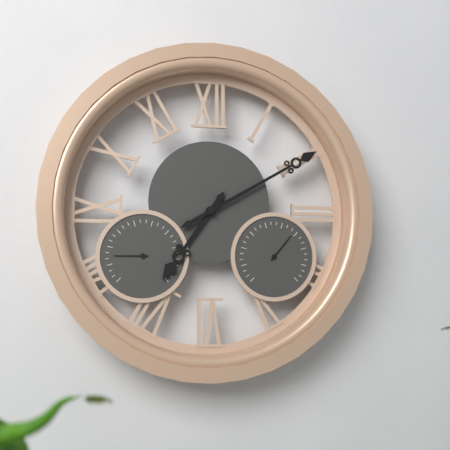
7:10
